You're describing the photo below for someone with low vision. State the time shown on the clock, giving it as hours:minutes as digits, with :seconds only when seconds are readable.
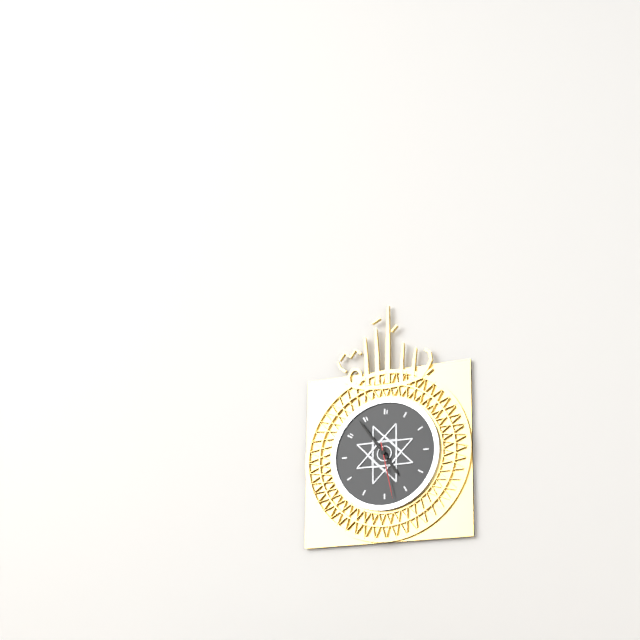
4:54:28
